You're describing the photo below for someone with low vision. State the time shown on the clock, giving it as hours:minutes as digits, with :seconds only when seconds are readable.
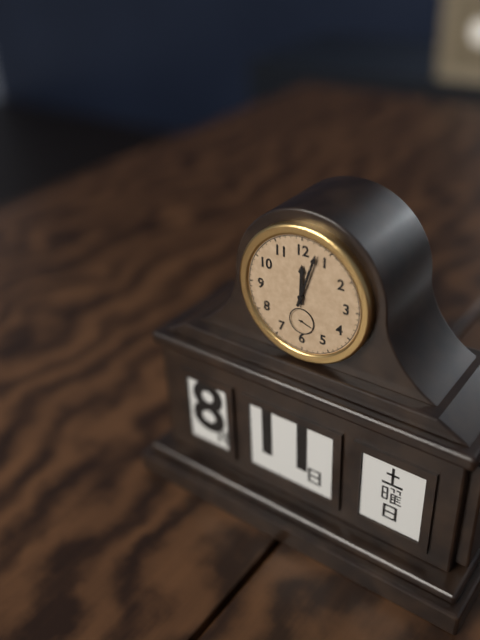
12:03
